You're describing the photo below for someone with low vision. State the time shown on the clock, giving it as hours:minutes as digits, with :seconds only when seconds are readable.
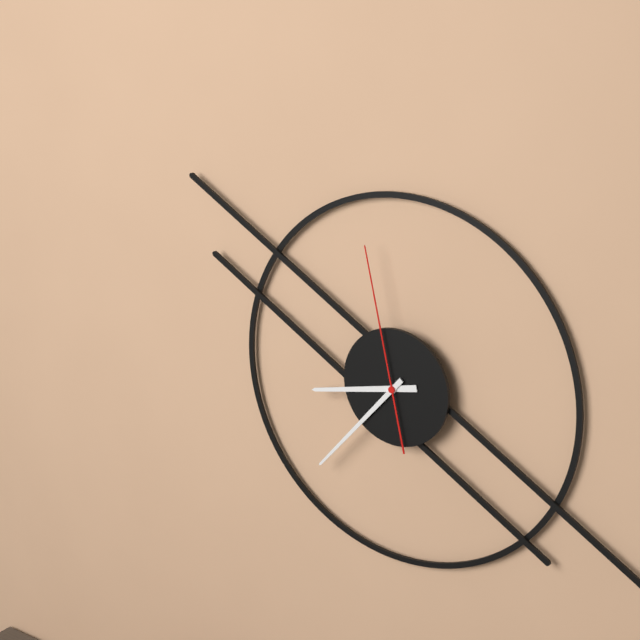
8:37:58
